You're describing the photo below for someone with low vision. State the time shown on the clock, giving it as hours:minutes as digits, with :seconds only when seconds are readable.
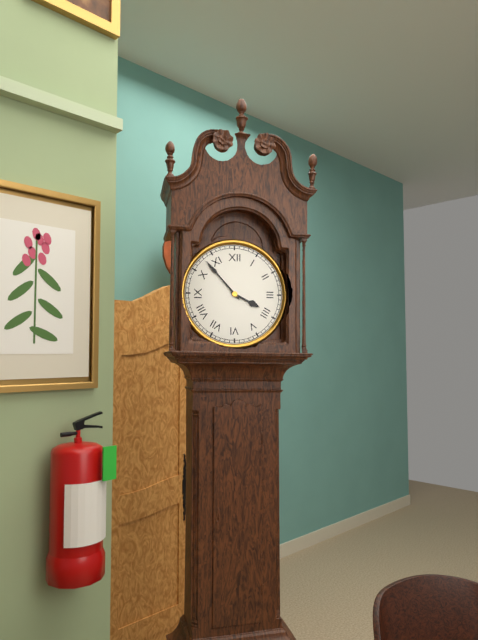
3:53
